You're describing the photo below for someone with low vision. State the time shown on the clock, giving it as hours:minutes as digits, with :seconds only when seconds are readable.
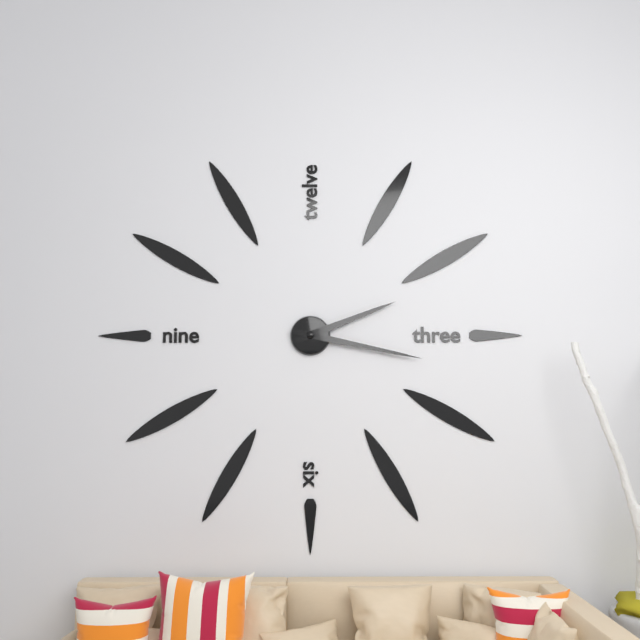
2:17
